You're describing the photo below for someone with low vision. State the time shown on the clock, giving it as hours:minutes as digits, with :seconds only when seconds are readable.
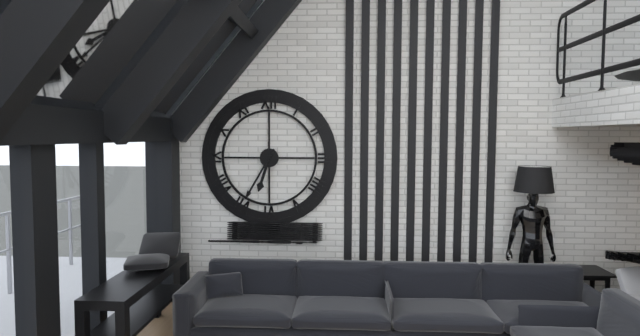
6:35
